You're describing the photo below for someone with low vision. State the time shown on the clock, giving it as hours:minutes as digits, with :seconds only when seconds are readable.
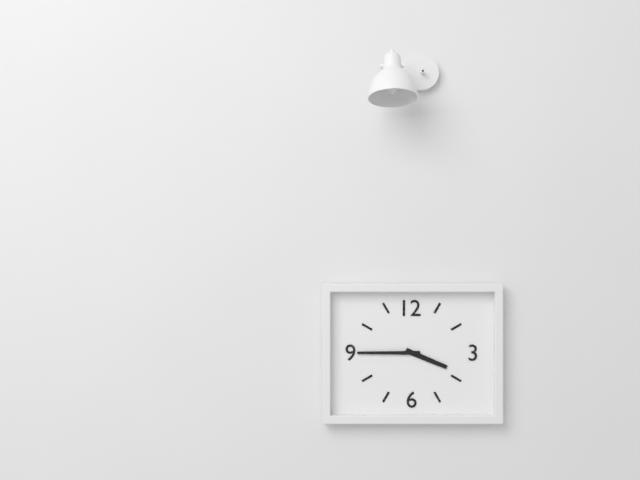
3:45
